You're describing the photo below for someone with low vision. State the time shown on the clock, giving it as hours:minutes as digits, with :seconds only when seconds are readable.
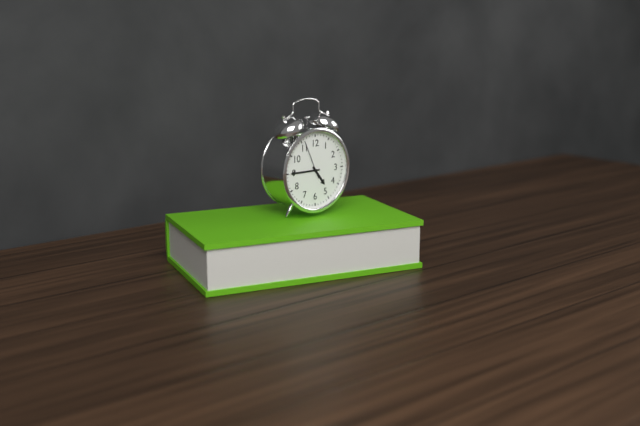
4:45
